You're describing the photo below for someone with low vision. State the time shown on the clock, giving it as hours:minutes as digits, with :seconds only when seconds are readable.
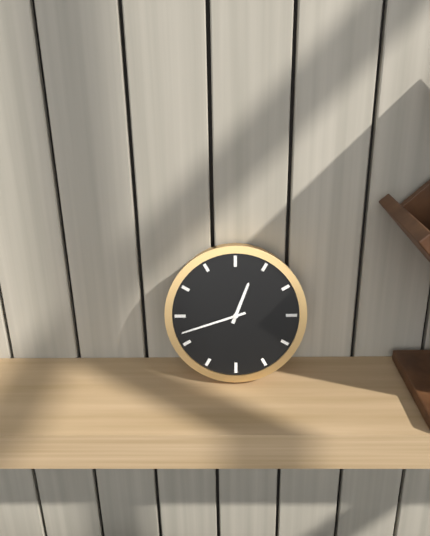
12:42
